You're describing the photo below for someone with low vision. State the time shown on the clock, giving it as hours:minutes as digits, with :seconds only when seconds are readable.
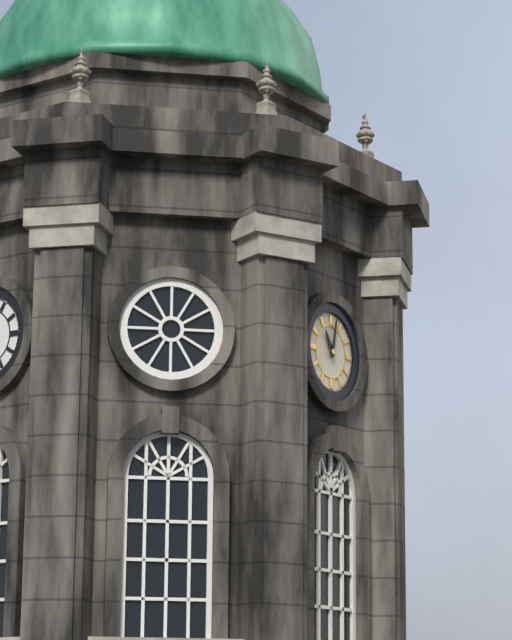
11:02
